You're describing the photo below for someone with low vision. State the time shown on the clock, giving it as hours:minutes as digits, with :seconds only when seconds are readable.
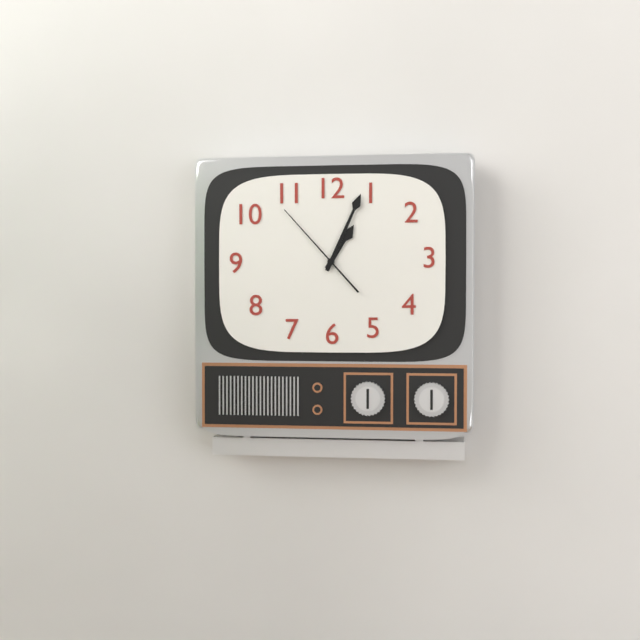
1:04:53
